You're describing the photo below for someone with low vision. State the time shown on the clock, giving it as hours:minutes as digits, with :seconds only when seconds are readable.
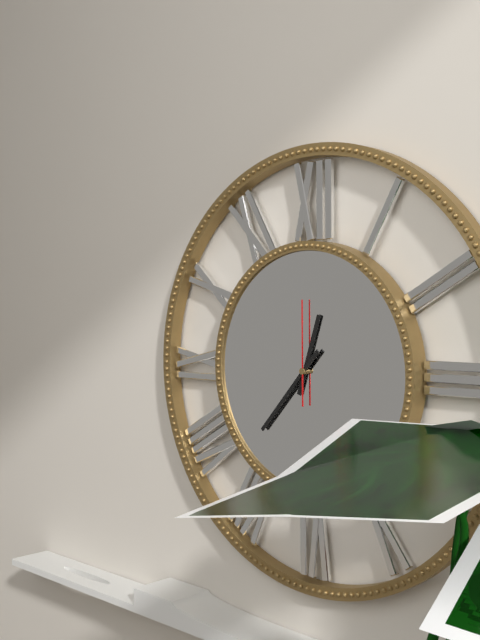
12:37:00
